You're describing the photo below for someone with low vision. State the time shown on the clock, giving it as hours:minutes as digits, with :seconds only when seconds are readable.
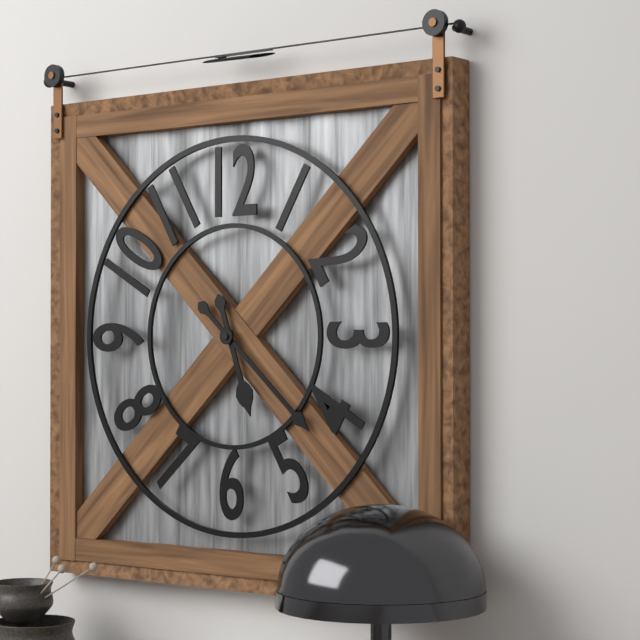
5:22
